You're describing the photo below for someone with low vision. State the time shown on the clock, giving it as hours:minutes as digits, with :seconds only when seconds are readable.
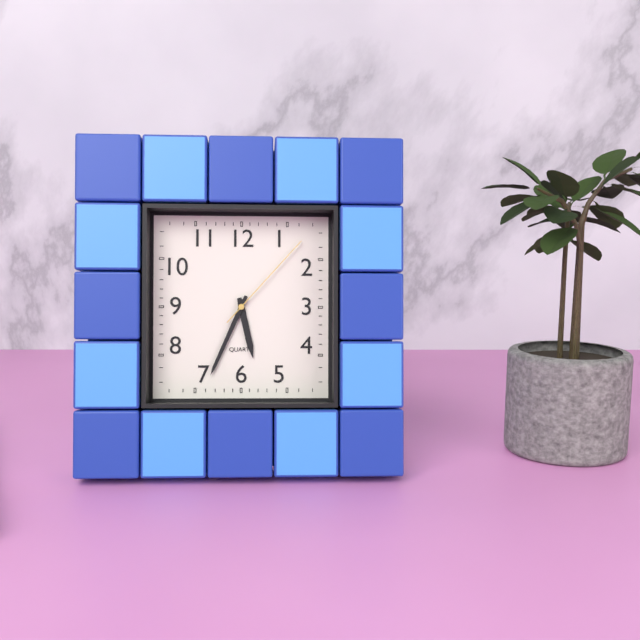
5:34:07
